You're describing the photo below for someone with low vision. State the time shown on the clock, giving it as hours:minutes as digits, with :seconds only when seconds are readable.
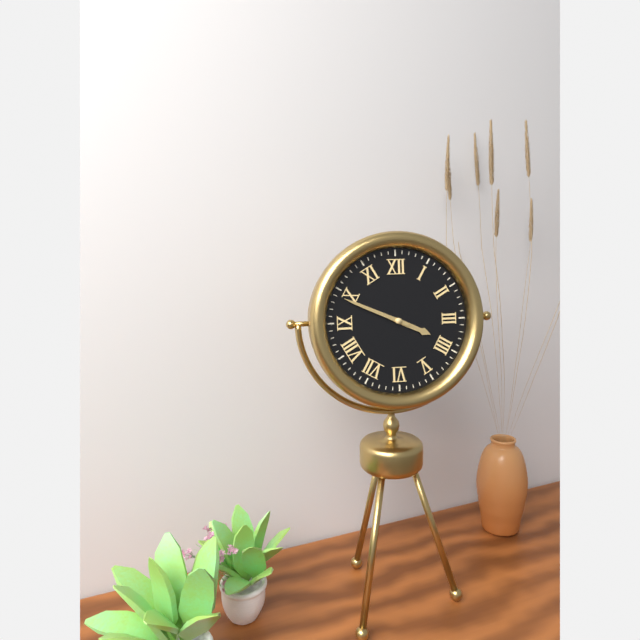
3:49
